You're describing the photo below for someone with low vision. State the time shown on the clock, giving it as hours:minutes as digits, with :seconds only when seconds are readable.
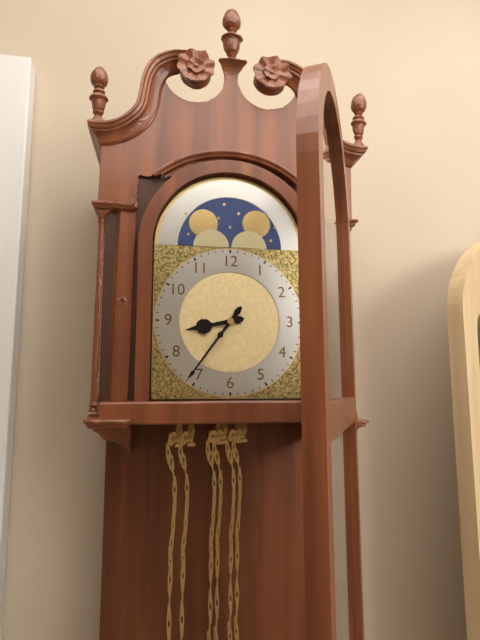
8:36
